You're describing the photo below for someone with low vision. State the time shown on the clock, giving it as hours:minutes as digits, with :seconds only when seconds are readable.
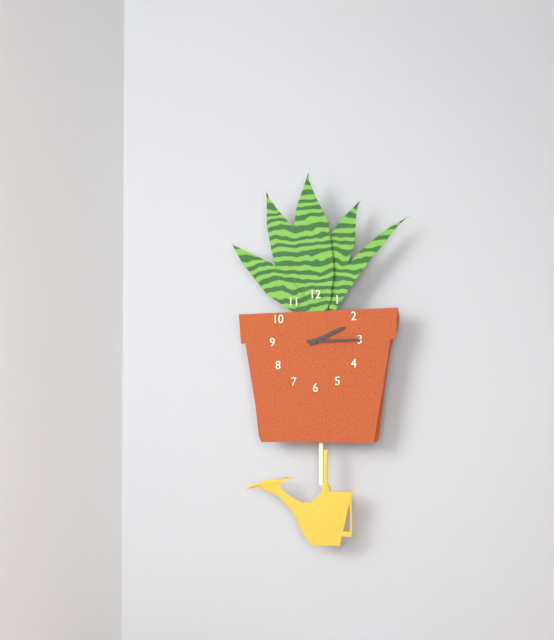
2:15
